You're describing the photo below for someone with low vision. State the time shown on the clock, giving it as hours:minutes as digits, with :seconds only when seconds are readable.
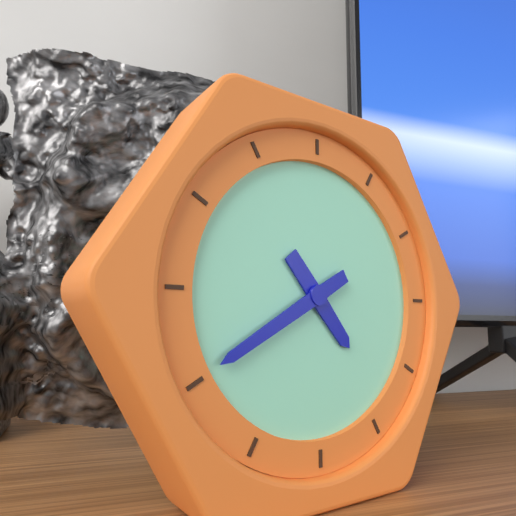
4:40
